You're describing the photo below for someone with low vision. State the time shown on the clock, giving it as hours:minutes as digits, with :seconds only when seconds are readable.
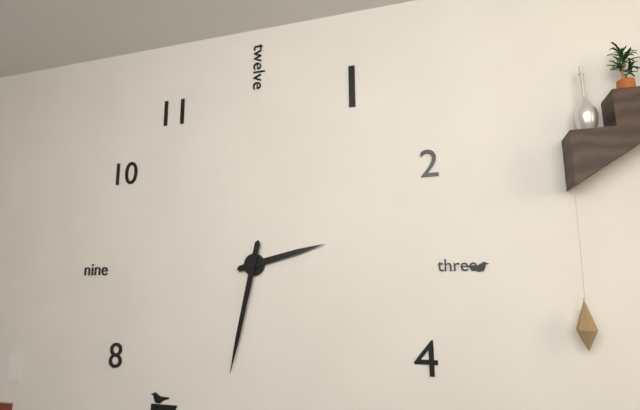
2:32
